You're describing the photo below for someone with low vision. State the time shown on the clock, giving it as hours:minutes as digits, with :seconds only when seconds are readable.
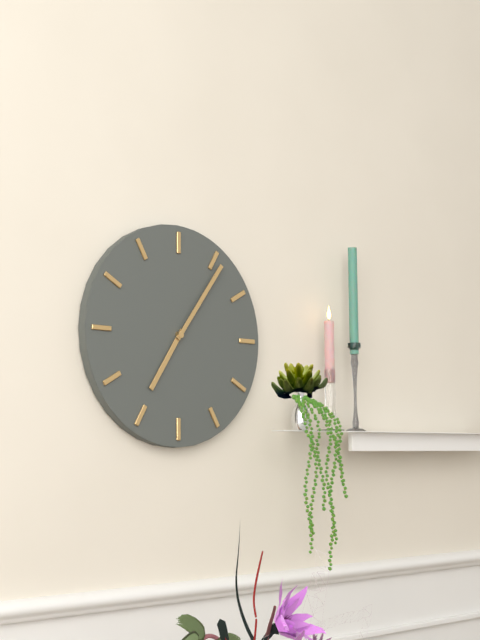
7:06
